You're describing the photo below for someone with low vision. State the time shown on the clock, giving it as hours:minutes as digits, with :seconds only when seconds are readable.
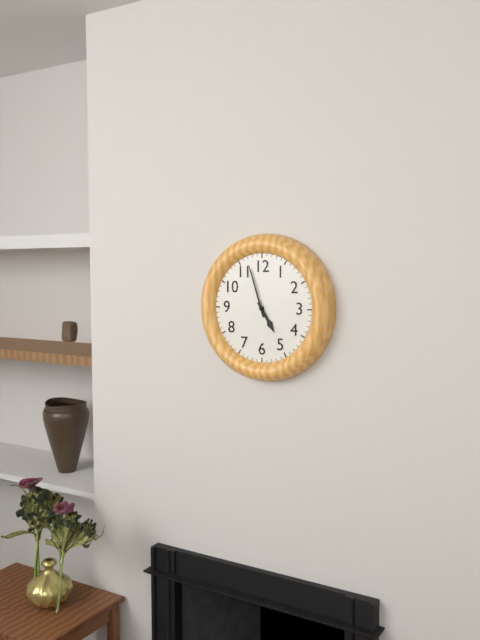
4:57
